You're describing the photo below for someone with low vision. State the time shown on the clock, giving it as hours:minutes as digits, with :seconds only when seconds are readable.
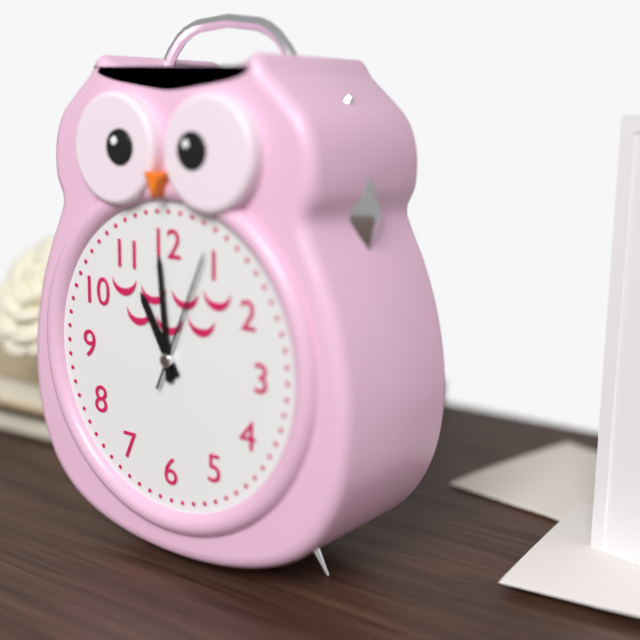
10:59:04
